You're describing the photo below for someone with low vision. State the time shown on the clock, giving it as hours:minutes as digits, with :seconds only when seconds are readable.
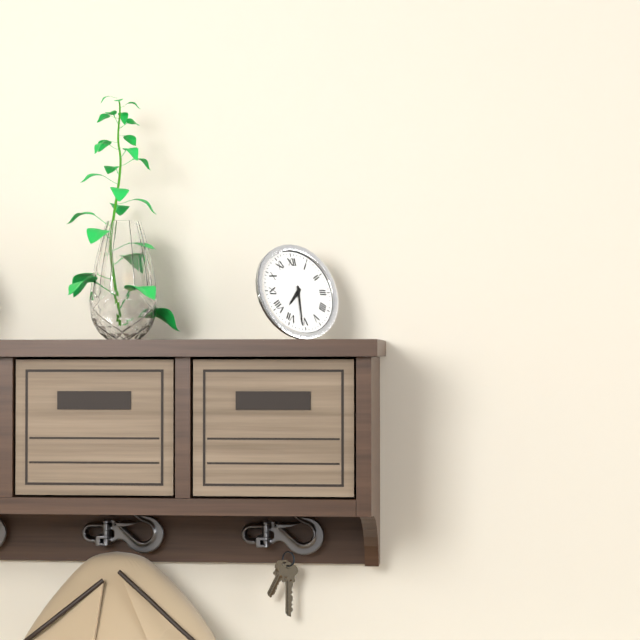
7:31
